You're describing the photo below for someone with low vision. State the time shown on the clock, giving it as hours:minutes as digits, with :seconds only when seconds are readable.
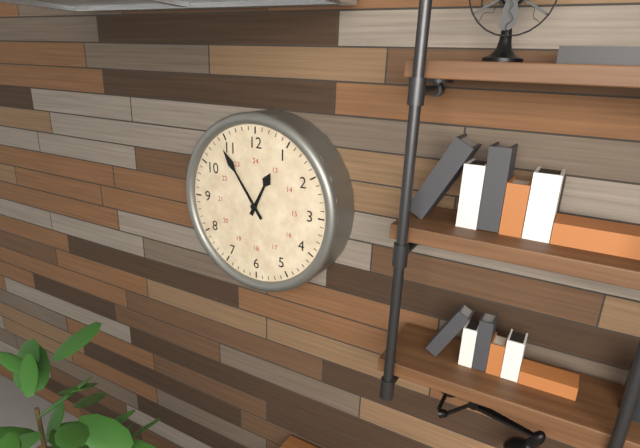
12:54
